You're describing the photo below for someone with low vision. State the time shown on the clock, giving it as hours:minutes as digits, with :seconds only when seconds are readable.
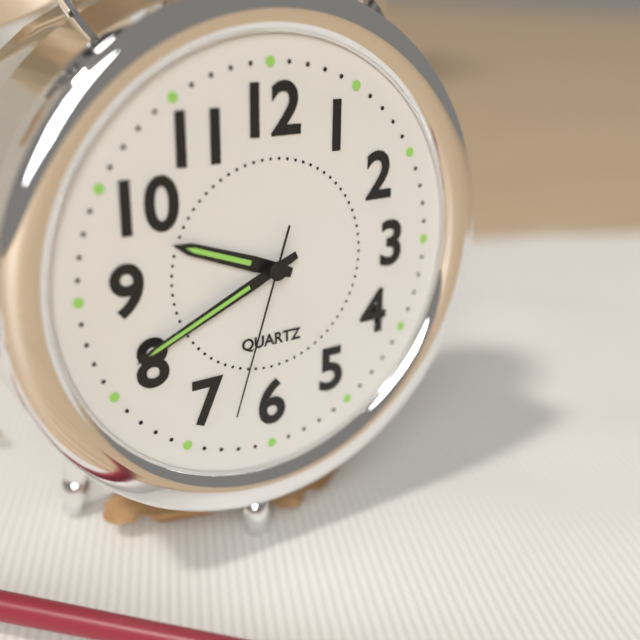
9:41:33
